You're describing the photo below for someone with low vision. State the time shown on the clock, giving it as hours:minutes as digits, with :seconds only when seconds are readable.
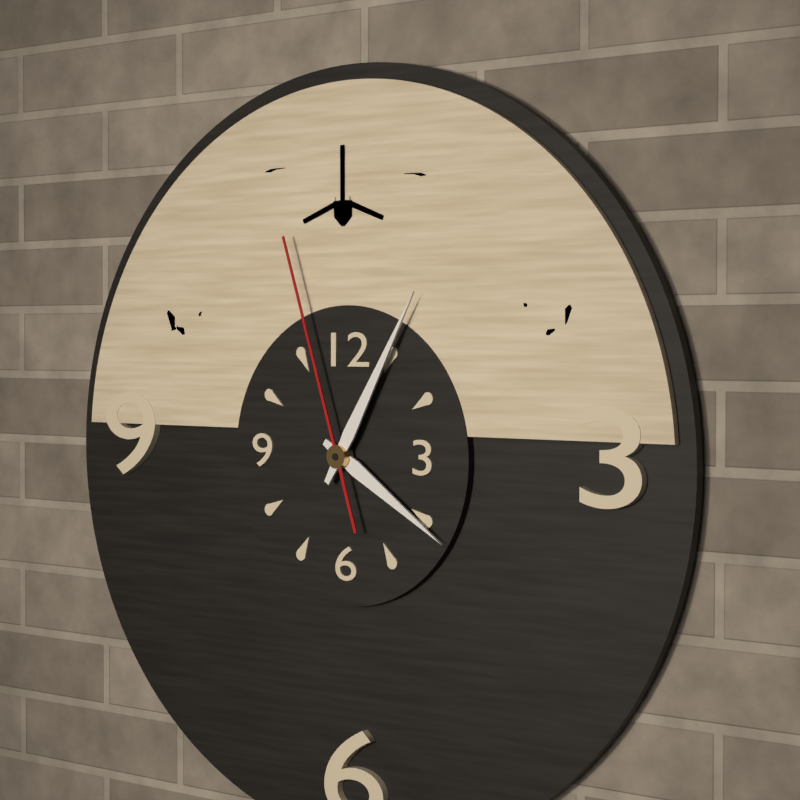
4:05:57
